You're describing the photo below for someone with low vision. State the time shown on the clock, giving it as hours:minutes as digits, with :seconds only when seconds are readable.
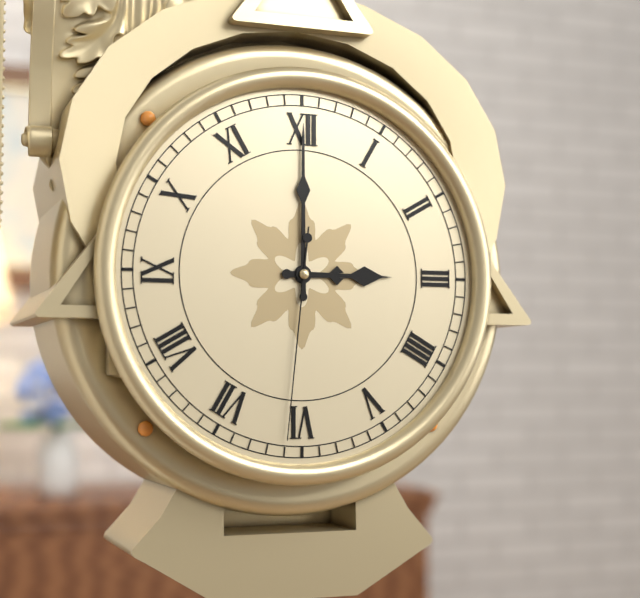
3:00:31
